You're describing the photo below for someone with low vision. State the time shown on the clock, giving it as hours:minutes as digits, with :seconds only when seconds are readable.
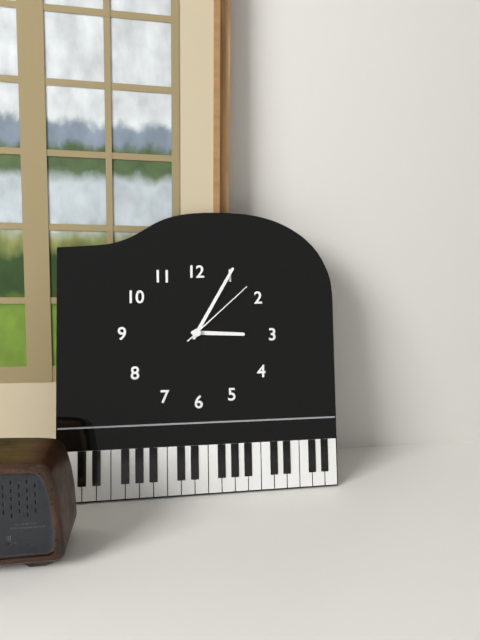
3:05:08
